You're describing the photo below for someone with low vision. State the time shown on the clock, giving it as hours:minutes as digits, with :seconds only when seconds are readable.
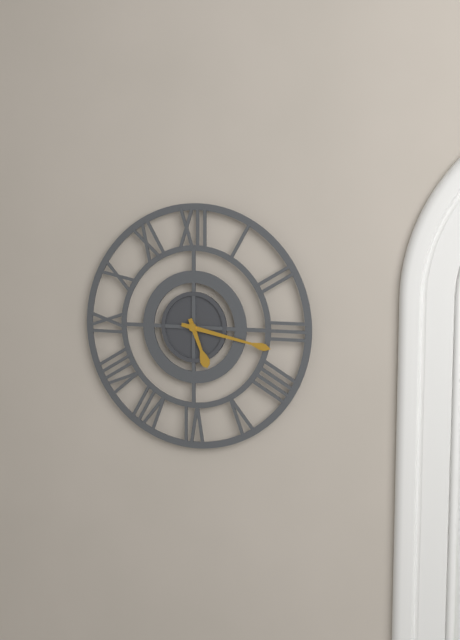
5:17
